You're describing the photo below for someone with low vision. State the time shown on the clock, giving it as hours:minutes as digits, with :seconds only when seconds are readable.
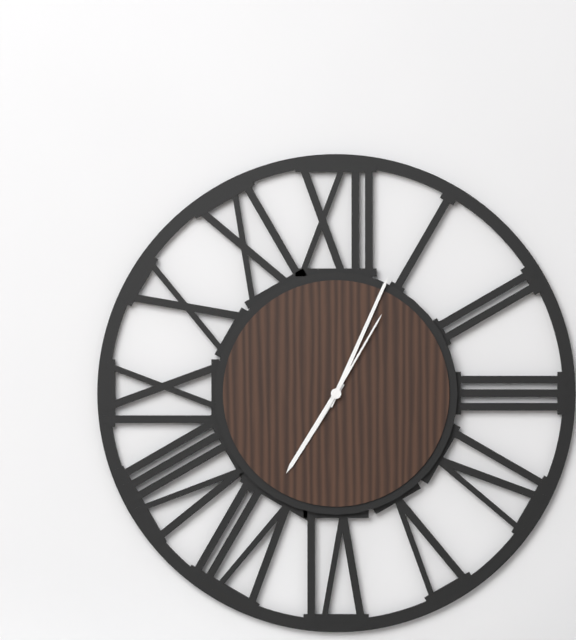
7:04:05
